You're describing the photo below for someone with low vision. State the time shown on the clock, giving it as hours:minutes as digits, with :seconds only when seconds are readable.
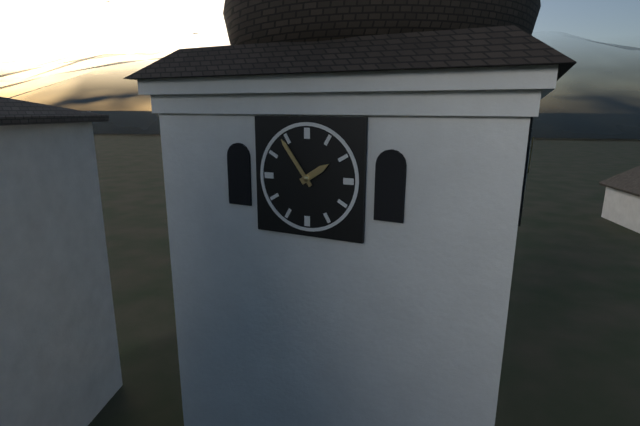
1:54
